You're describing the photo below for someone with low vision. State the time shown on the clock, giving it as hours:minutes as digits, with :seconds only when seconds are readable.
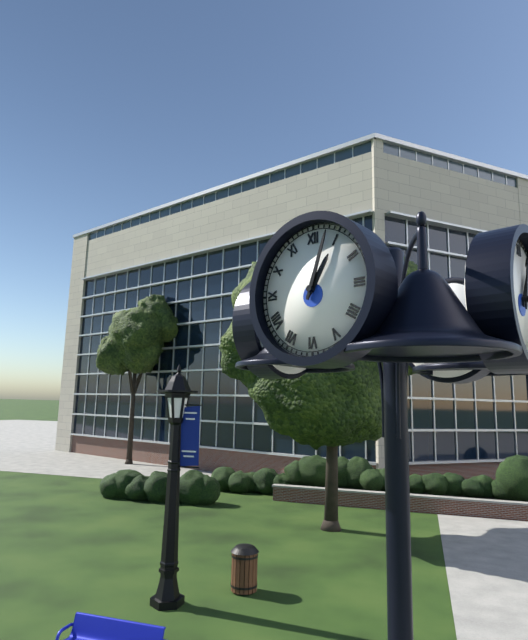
1:03
